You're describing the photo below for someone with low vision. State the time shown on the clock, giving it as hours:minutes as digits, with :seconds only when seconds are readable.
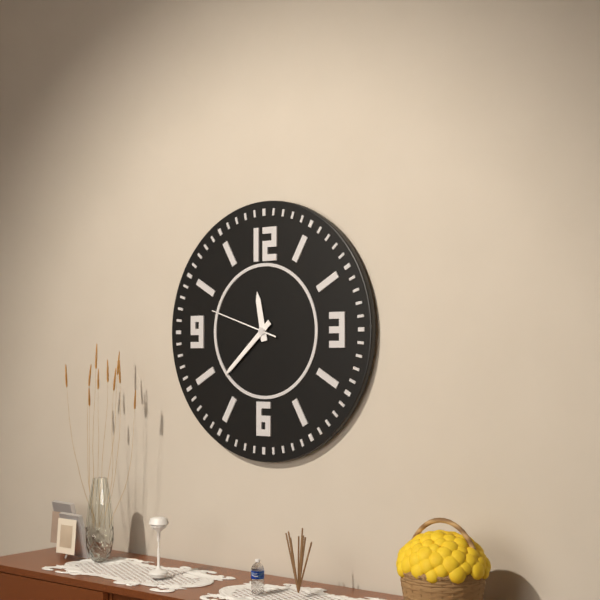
11:38:48
